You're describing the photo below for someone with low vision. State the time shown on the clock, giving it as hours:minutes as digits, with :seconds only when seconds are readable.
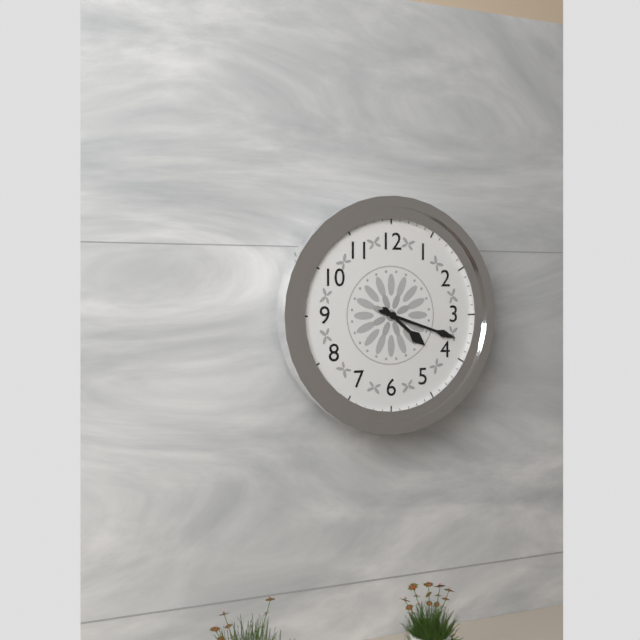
4:18
